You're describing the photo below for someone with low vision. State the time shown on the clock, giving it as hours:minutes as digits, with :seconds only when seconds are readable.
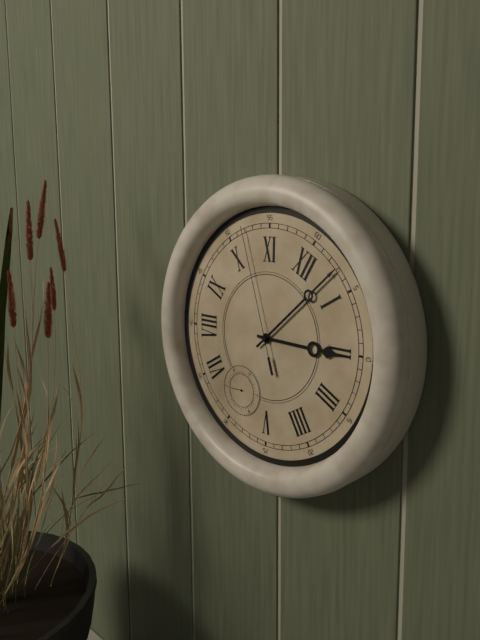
2:03:52
